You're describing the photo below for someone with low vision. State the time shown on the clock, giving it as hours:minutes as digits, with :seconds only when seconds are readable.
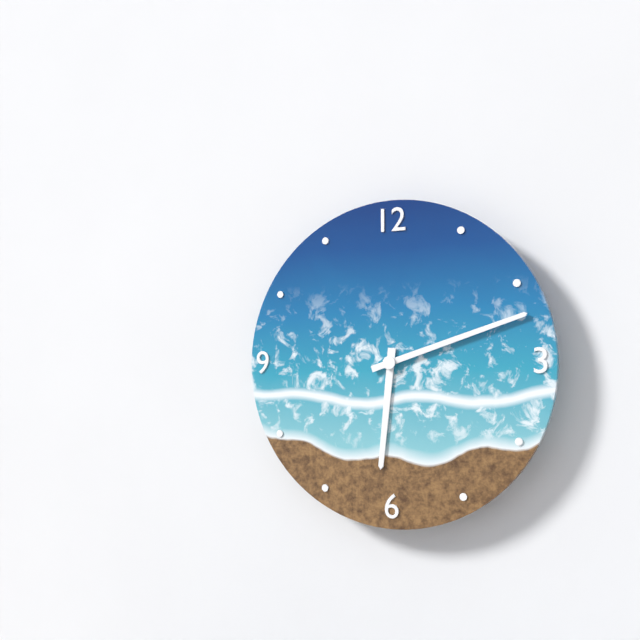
6:12
